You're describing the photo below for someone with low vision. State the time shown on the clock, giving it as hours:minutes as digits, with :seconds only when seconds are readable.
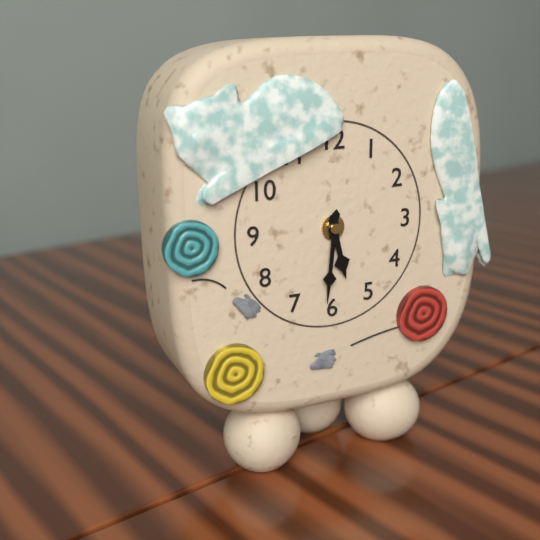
5:31
